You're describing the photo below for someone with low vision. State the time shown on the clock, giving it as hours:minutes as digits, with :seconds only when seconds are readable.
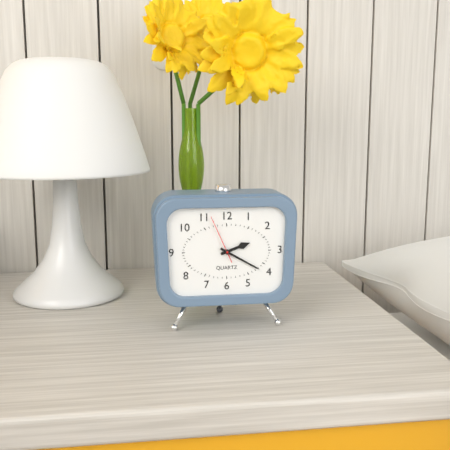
2:20
